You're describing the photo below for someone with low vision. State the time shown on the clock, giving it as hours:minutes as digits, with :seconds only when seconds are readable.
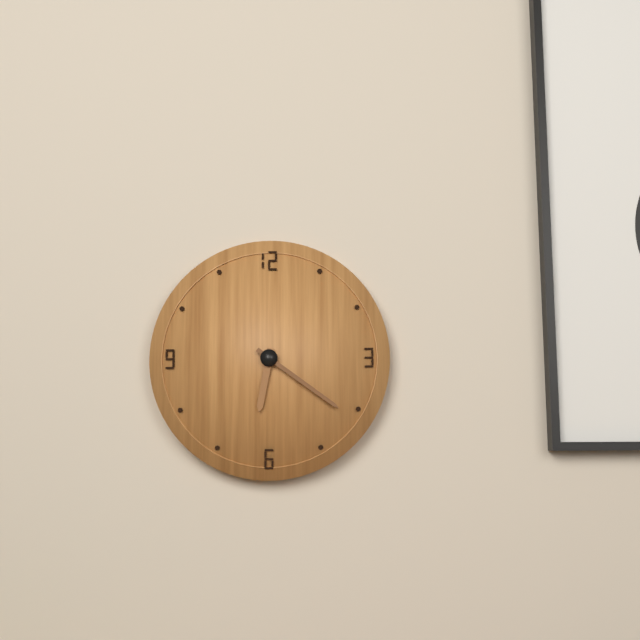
6:21
